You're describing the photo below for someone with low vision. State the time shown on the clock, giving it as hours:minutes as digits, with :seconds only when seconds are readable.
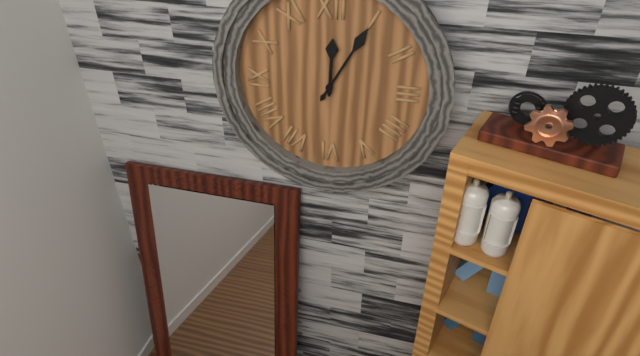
12:05
